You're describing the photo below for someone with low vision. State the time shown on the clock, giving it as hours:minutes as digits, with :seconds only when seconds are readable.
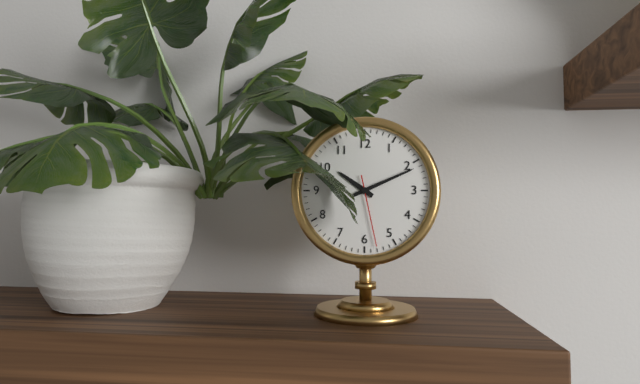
10:11:28
